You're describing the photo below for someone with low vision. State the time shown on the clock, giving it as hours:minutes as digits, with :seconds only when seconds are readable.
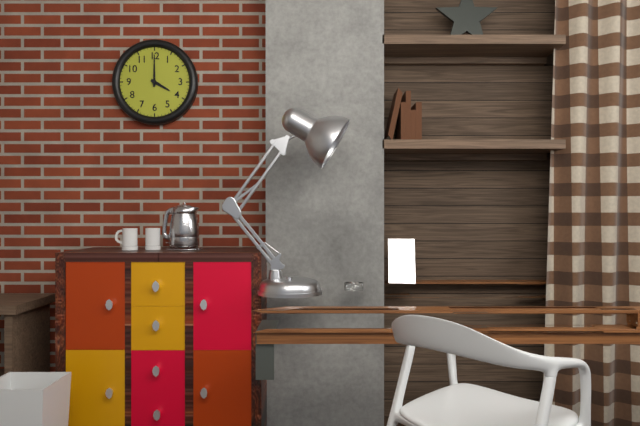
4:00
